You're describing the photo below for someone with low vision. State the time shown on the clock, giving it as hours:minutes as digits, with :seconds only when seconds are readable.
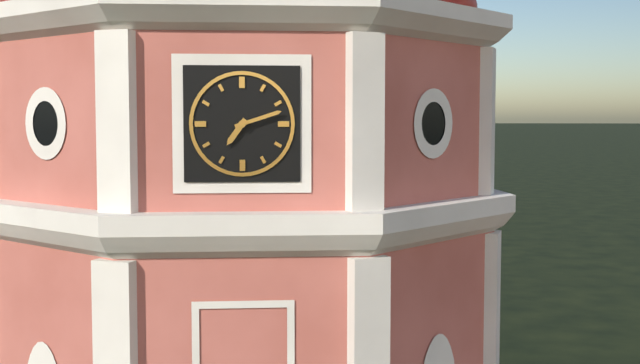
7:12
